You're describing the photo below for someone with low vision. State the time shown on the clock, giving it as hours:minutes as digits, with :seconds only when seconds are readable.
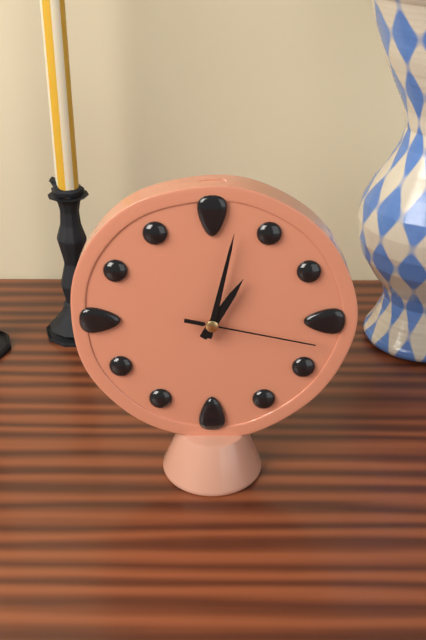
1:02:17
